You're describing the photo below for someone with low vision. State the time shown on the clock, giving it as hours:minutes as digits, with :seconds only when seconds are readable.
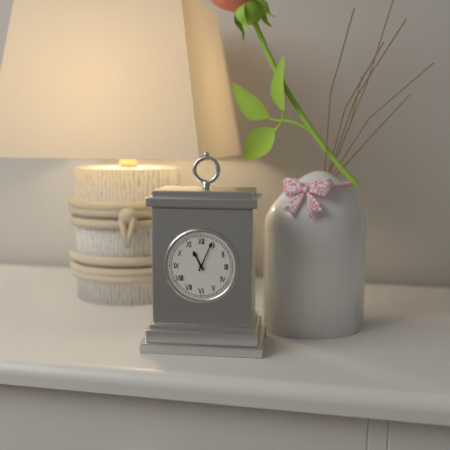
11:04
